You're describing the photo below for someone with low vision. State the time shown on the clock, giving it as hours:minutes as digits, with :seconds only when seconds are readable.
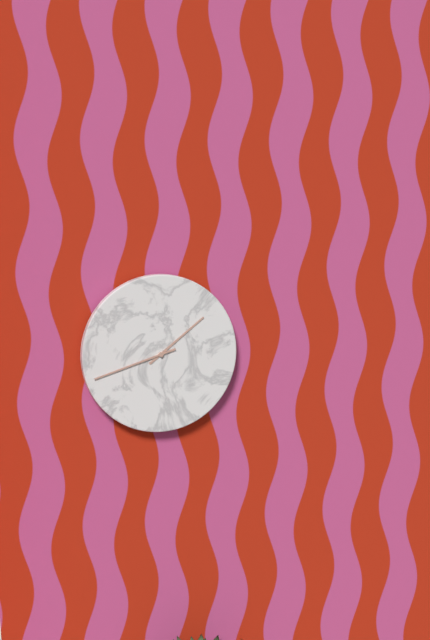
1:42
